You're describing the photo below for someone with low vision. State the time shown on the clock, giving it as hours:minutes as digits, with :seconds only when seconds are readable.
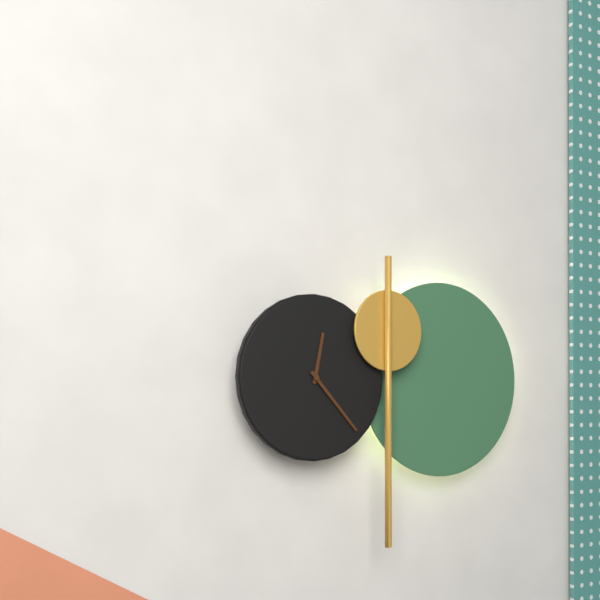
12:23
